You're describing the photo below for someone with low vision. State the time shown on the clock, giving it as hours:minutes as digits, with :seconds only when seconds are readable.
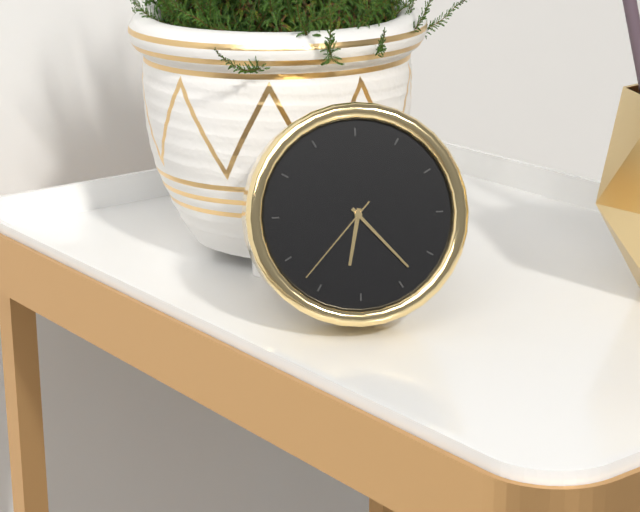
6:23:37
